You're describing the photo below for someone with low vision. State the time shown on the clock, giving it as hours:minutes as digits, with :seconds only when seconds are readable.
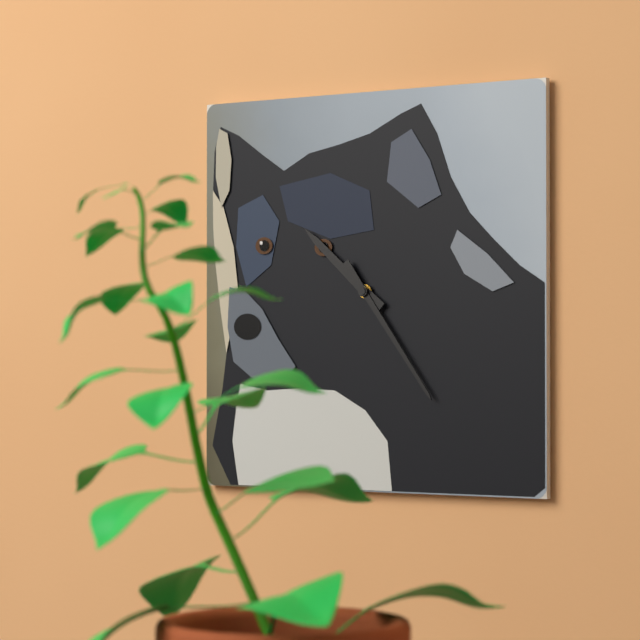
10:24
